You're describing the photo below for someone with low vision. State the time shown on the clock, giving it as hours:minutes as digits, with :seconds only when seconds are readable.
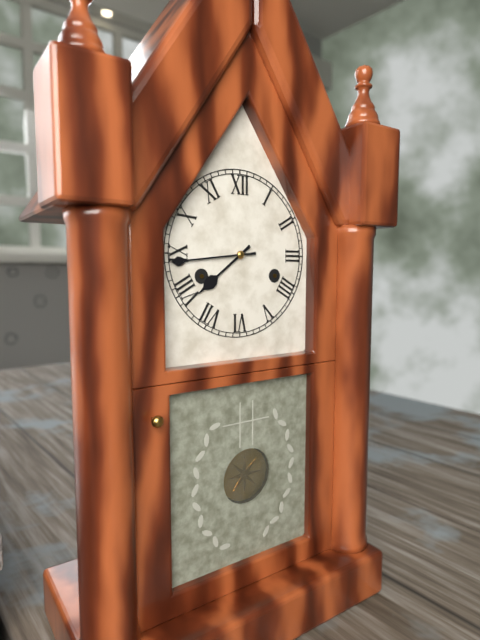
7:44
